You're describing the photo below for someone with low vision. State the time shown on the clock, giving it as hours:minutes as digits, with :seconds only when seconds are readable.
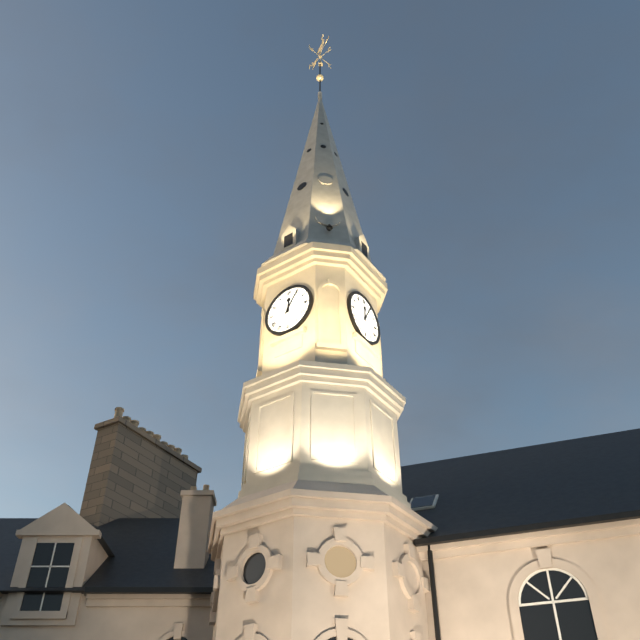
12:05
